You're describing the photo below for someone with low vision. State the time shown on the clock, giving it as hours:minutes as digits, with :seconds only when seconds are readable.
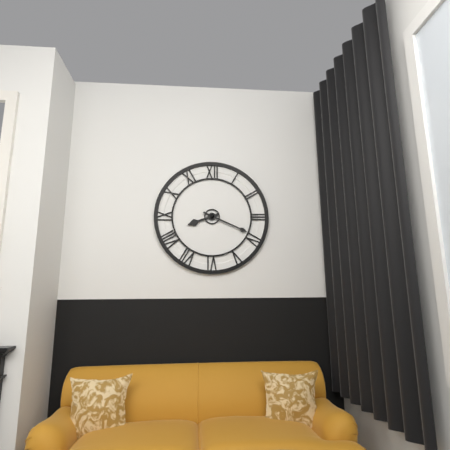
8:19
